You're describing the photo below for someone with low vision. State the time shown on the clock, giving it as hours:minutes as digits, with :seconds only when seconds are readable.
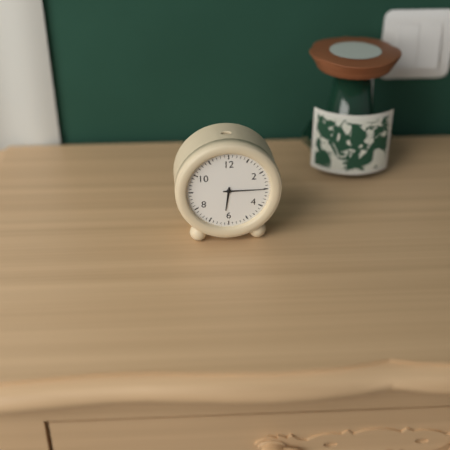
6:15
